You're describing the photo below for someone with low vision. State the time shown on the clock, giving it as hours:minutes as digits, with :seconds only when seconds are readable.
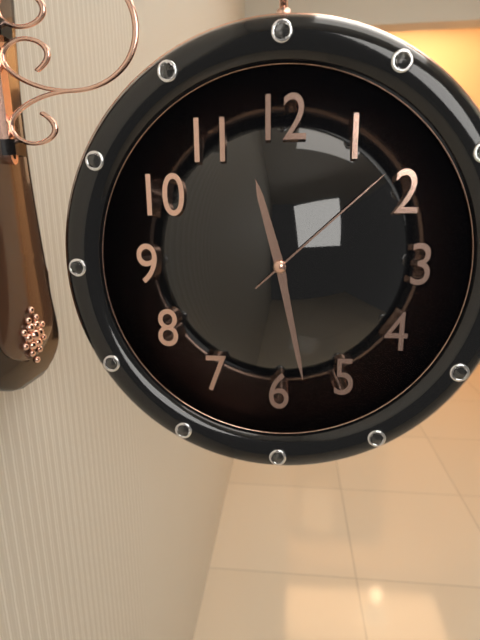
11:28:08
